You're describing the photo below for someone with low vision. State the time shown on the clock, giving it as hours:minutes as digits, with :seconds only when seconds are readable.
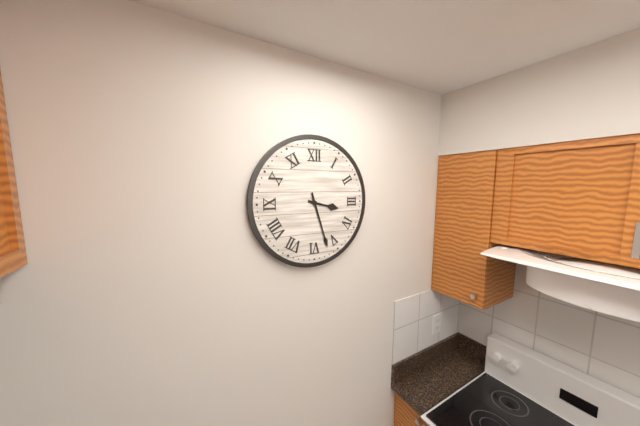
3:27
